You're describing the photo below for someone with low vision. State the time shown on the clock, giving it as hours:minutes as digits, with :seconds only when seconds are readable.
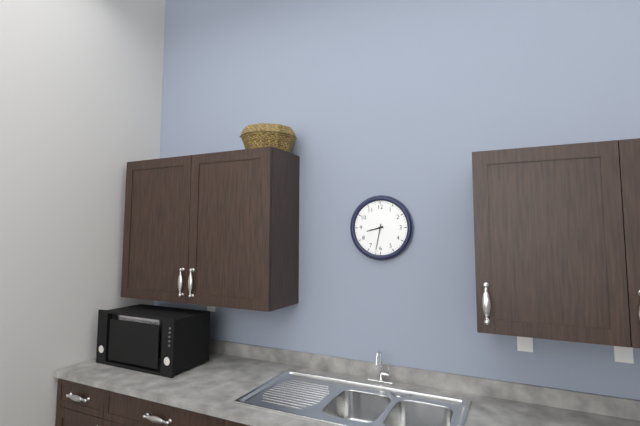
8:32
